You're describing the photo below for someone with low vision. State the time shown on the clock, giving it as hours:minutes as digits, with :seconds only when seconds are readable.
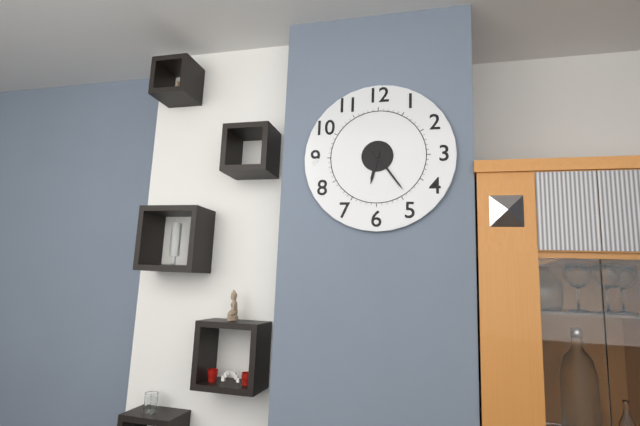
6:24
